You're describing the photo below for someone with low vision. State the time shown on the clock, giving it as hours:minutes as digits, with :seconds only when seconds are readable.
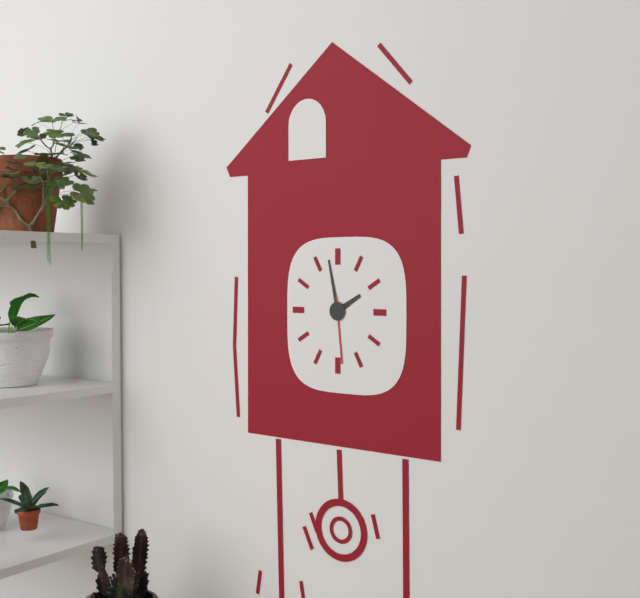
1:58:29
